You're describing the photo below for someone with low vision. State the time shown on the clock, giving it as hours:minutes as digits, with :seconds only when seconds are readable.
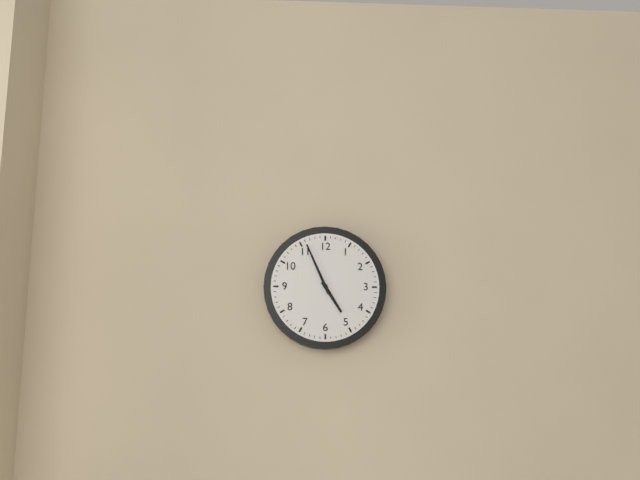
4:56
